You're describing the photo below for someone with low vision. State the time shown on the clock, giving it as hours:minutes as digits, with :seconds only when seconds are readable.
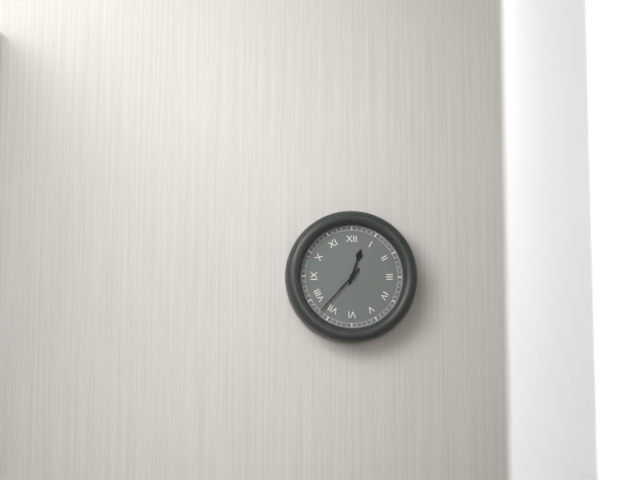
12:37
